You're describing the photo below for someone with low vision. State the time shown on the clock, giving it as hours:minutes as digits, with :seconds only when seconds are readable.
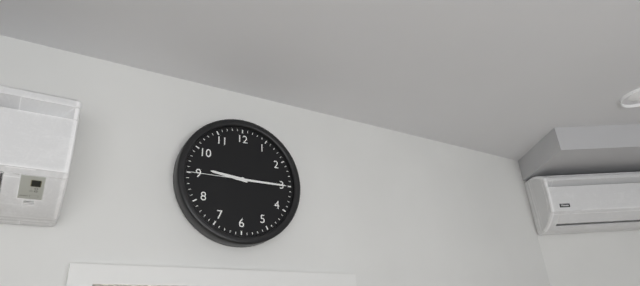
9:15:45
